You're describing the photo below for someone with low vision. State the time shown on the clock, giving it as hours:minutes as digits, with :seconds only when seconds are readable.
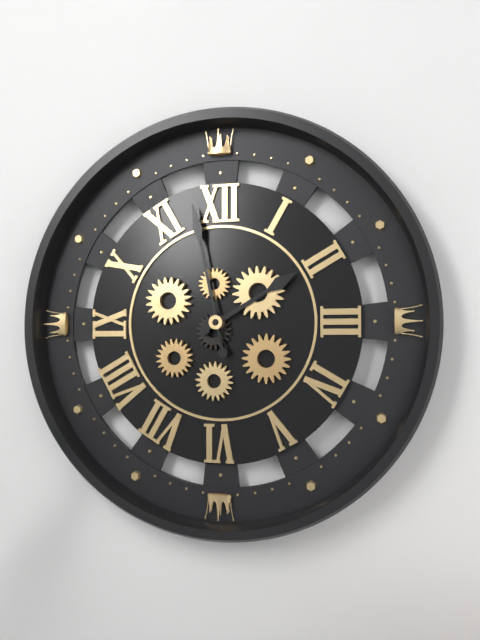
1:58
